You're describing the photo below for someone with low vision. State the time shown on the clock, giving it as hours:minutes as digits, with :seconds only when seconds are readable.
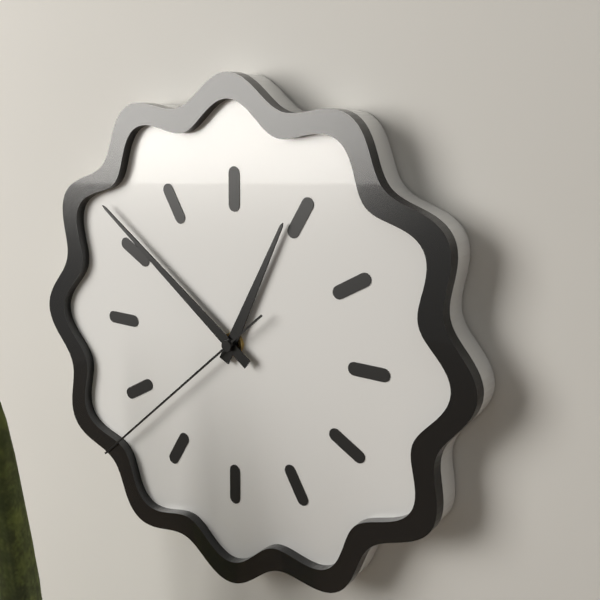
12:51:38
